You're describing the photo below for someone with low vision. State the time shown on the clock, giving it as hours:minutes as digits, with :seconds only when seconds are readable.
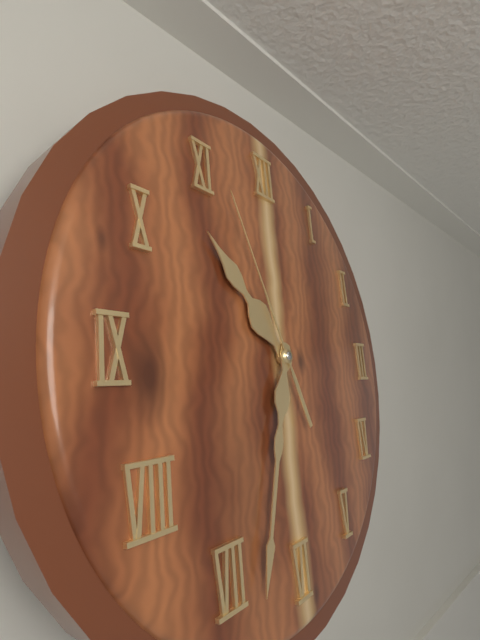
10:33:56
